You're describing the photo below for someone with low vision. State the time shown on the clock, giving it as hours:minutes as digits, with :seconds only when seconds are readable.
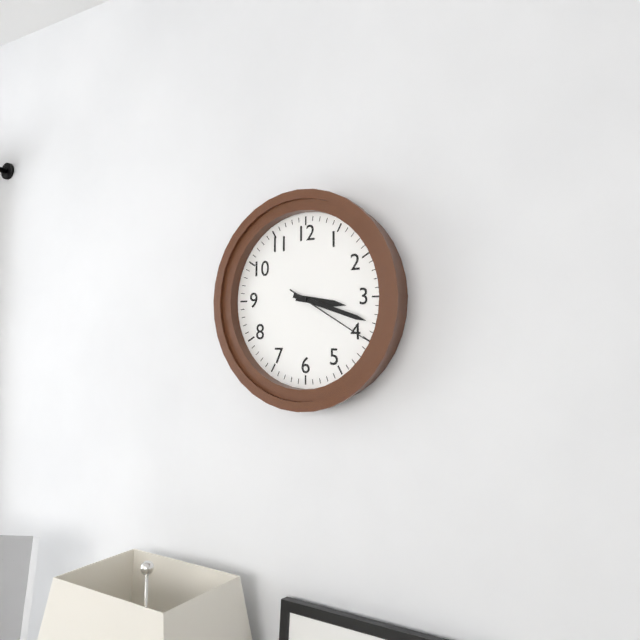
3:18:20
